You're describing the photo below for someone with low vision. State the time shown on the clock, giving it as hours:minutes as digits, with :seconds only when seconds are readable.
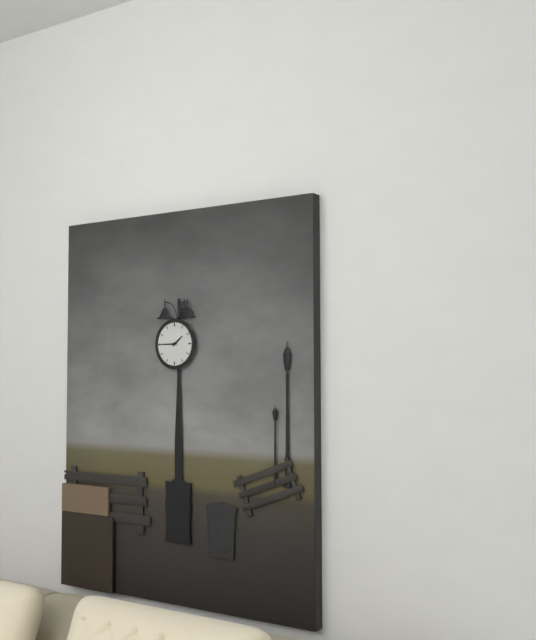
1:45
